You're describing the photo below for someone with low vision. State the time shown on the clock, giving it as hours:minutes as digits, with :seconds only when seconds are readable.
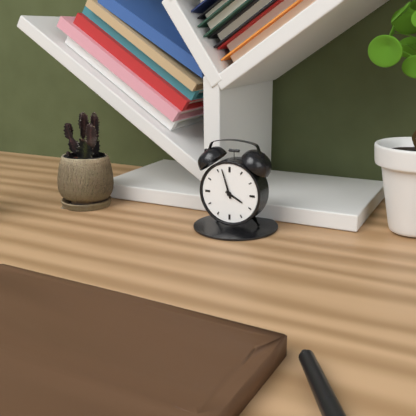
3:57
